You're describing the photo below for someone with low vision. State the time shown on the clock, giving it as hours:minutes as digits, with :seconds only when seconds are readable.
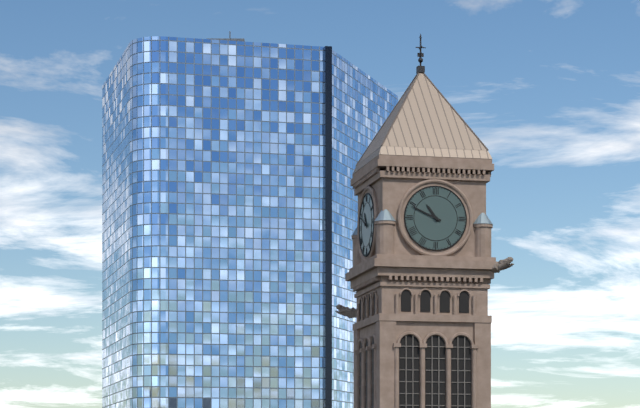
10:49
